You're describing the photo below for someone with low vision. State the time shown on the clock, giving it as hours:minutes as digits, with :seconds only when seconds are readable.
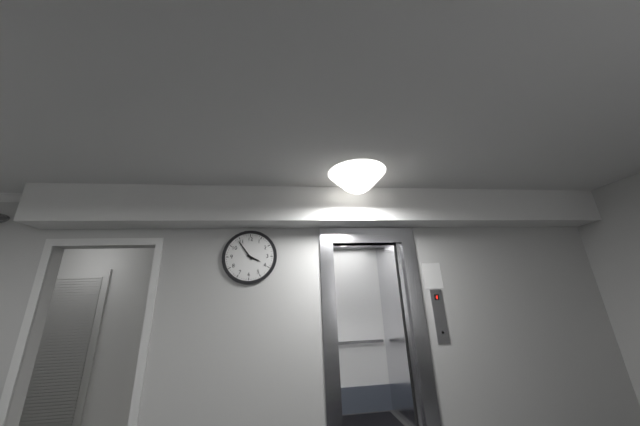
3:54
